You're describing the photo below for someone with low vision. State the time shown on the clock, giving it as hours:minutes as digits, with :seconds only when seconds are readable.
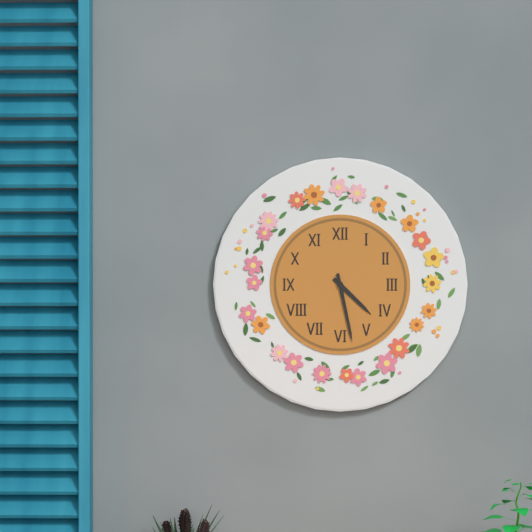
4:28
